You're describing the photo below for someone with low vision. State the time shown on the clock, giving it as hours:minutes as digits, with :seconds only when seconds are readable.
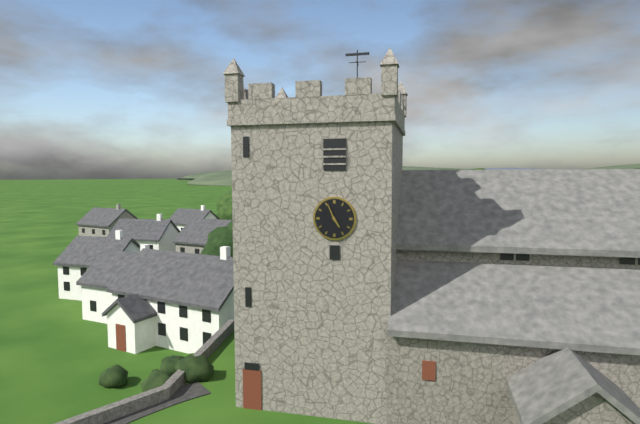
4:56
